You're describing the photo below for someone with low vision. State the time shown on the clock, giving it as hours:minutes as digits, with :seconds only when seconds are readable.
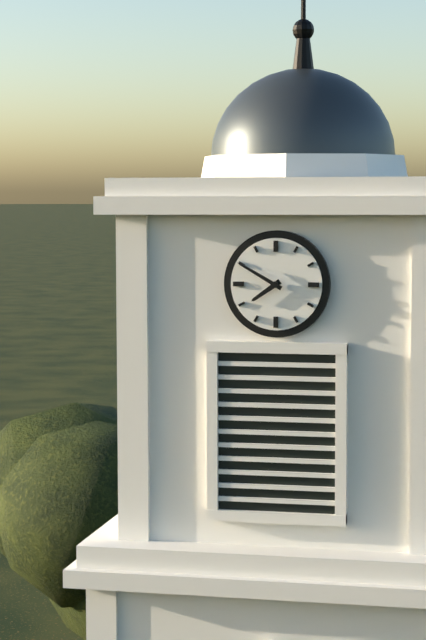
7:50
